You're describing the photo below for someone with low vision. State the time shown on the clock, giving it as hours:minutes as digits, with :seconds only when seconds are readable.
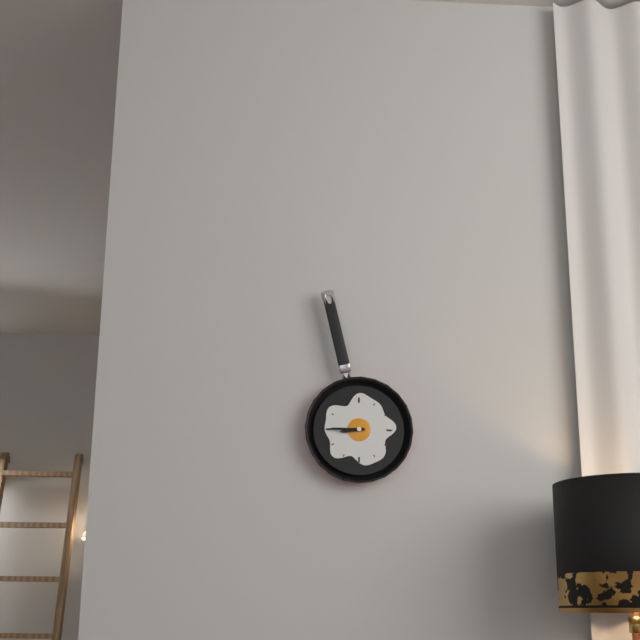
8:45
